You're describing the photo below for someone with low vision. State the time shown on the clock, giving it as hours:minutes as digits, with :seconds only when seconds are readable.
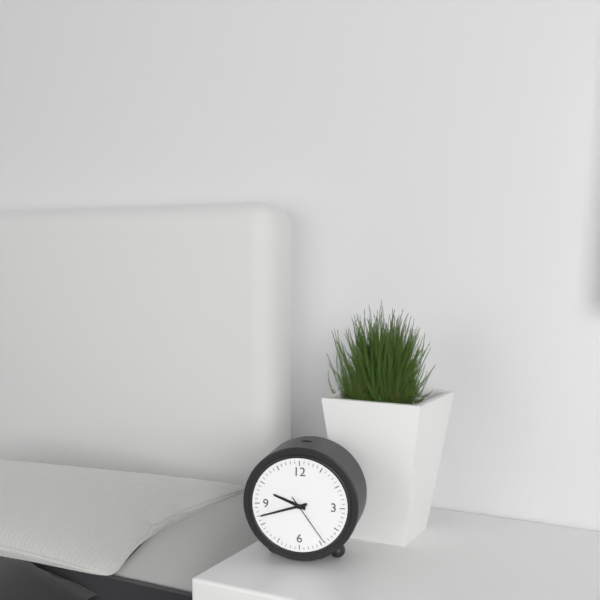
9:42:24
